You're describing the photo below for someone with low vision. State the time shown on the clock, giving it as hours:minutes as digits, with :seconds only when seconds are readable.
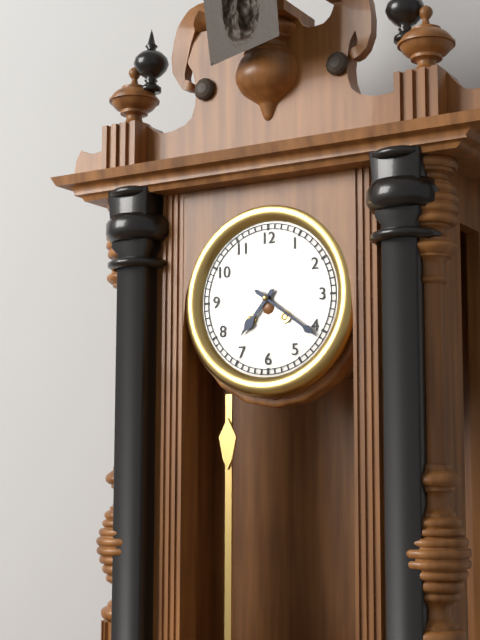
7:21
